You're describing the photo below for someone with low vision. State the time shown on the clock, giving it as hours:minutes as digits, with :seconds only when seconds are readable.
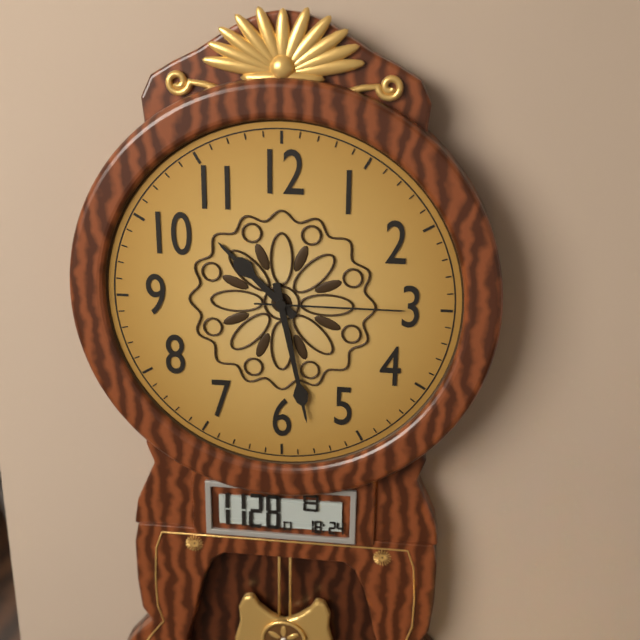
10:28:15
